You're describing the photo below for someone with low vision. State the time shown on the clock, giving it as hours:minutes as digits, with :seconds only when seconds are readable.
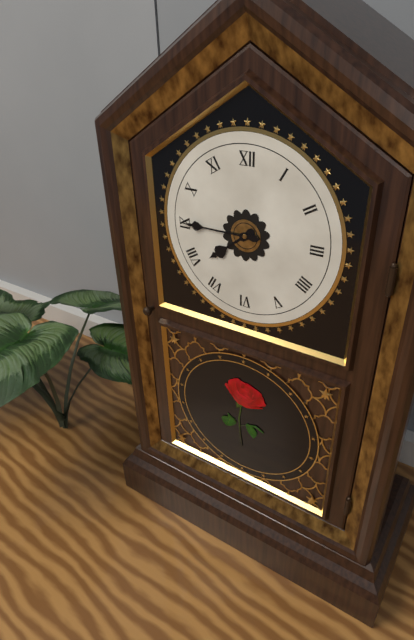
7:45
